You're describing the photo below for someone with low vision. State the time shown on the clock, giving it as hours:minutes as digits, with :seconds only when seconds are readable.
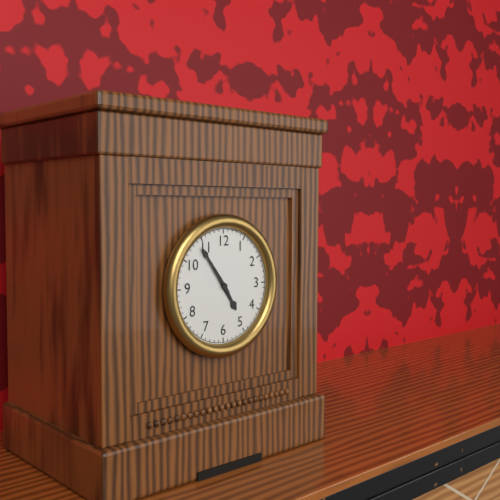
4:54
